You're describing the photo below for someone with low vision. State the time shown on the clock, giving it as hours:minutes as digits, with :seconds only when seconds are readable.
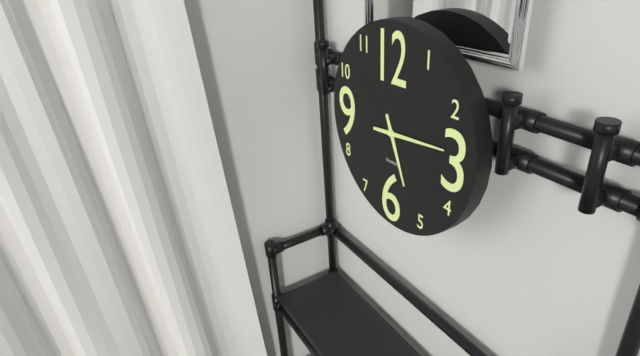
5:14
